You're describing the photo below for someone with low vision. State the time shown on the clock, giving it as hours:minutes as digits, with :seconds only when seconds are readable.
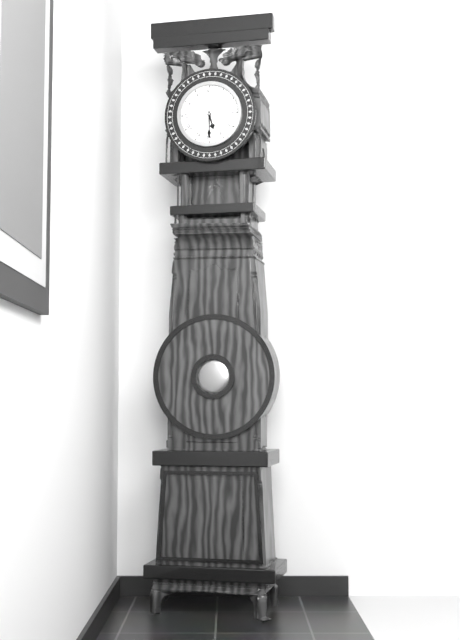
5:30
